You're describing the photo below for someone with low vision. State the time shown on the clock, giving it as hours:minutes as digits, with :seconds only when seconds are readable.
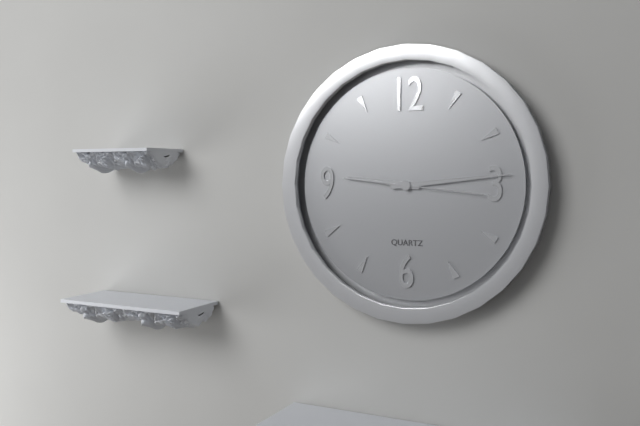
9:14:16
